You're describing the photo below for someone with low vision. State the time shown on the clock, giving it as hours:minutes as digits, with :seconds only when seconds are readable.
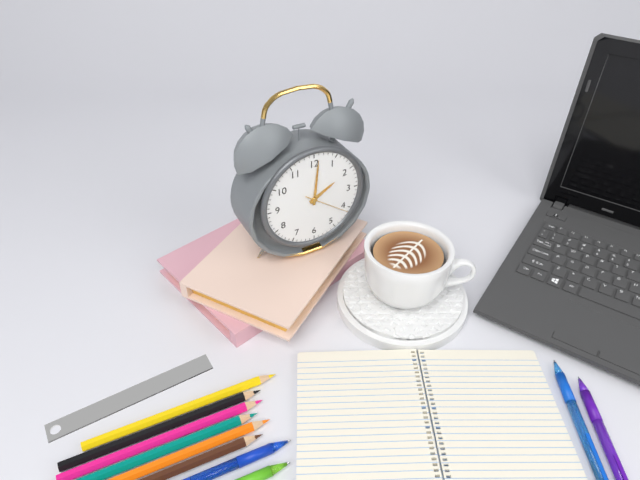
2:01
